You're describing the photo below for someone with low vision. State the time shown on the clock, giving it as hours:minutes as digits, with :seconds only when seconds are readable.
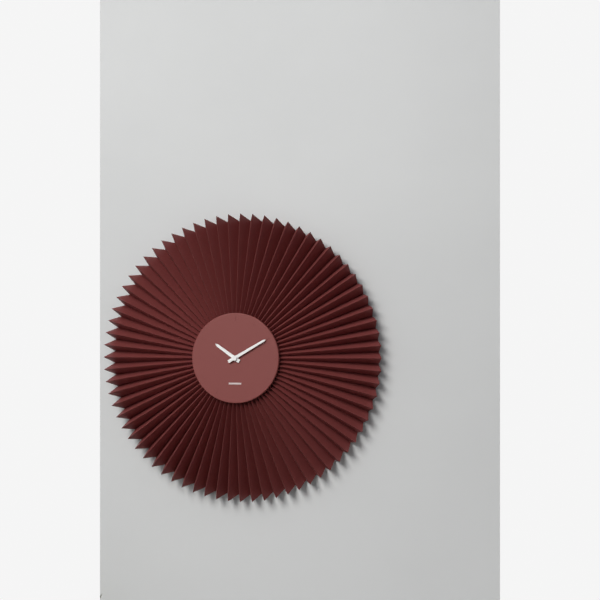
10:10
